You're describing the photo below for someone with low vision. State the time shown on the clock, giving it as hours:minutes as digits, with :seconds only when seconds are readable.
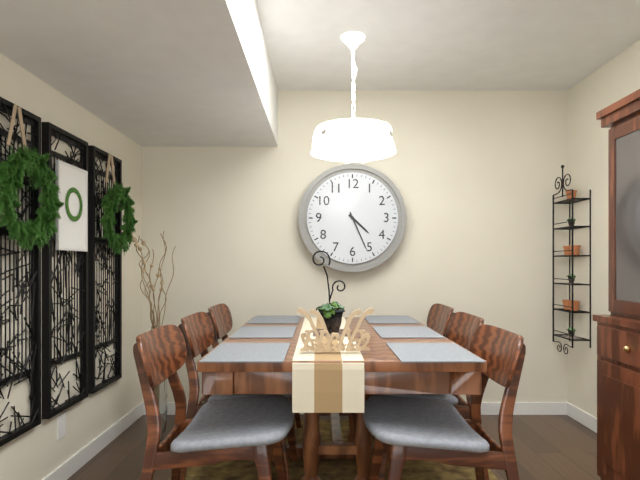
4:26
